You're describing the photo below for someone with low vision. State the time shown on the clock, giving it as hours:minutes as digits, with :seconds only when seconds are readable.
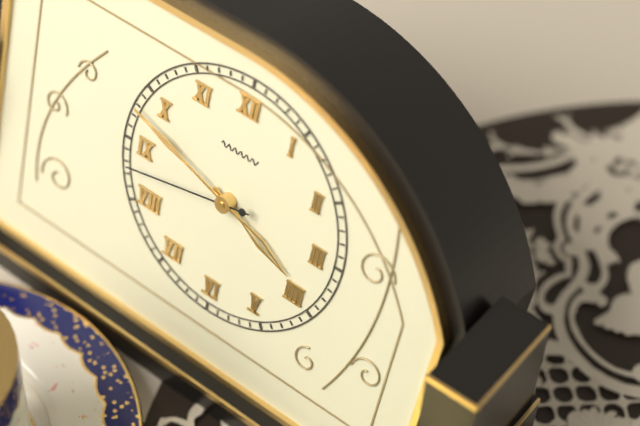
3:48:43
